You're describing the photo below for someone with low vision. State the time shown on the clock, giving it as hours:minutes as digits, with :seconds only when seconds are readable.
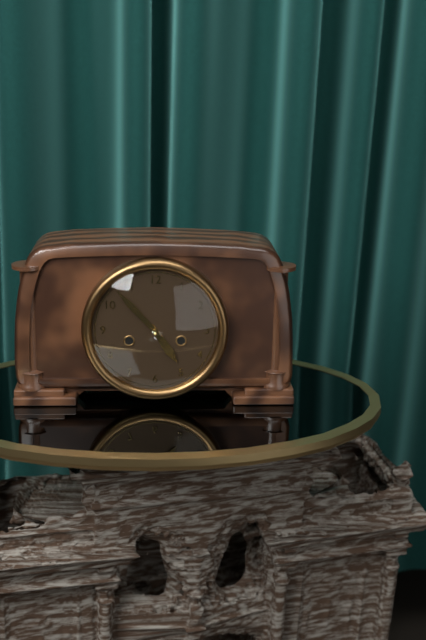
4:53
